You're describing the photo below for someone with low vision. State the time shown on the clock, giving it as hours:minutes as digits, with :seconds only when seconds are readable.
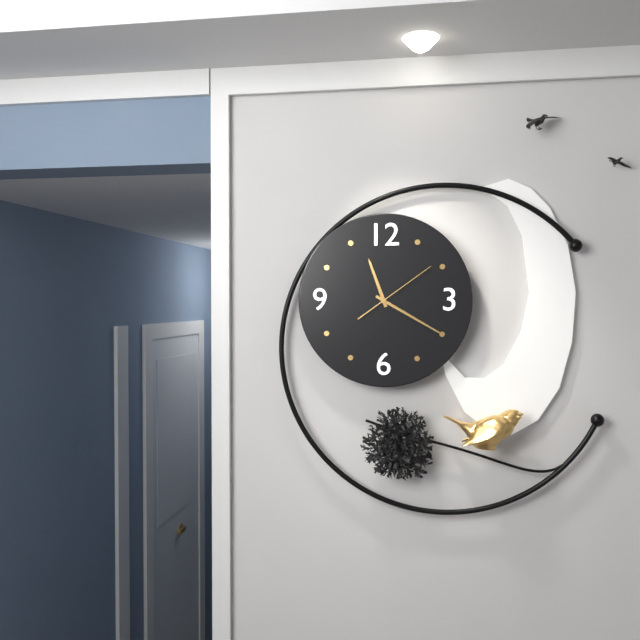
11:20:09
